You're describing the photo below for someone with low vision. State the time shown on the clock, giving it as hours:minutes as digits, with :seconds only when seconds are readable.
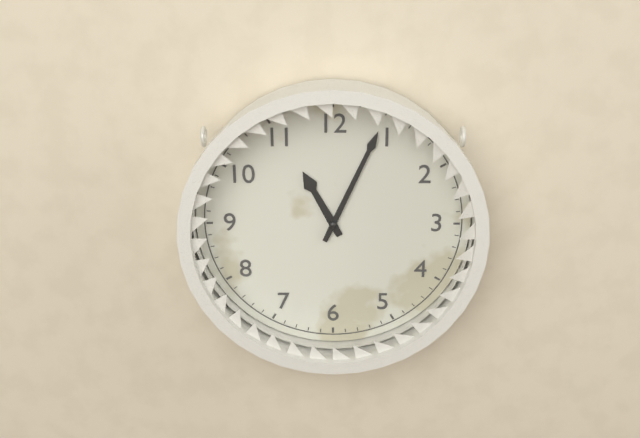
11:04
